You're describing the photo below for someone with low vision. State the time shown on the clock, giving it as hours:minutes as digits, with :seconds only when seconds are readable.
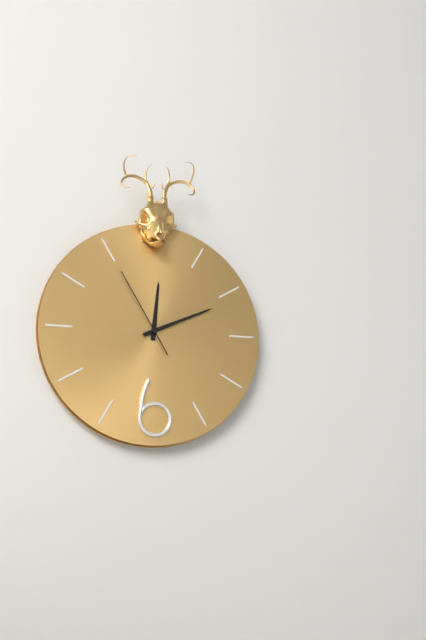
12:11:55
